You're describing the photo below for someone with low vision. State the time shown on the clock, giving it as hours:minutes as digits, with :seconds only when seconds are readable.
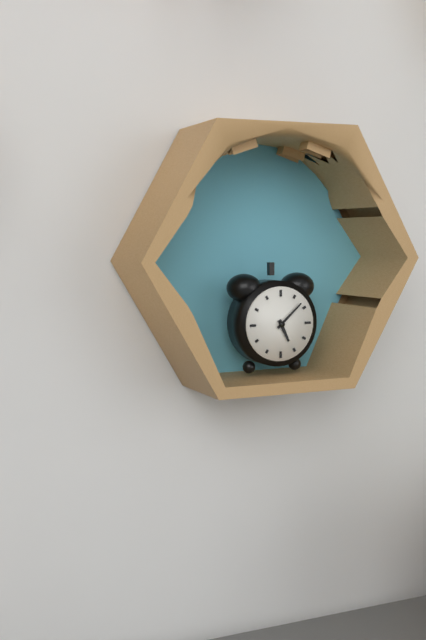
5:08
